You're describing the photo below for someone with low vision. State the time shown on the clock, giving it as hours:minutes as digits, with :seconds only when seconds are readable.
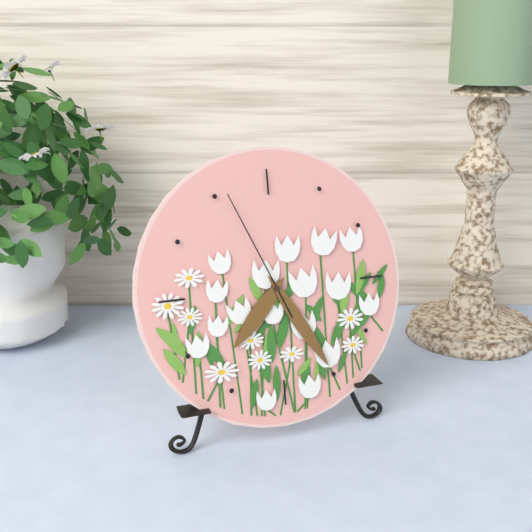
7:25:56
